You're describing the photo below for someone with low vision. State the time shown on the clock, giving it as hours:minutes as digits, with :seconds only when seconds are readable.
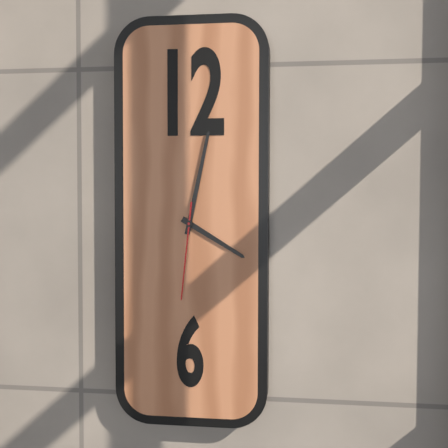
4:02:31
